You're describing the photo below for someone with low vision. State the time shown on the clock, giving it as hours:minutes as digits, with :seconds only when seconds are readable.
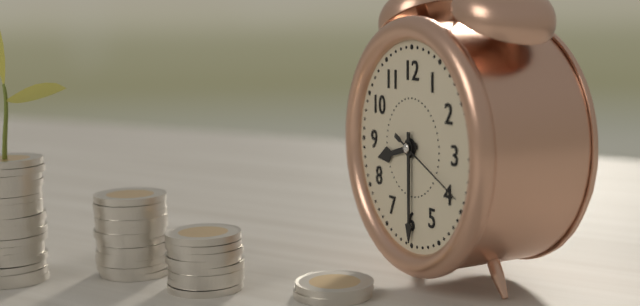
8:30:19
